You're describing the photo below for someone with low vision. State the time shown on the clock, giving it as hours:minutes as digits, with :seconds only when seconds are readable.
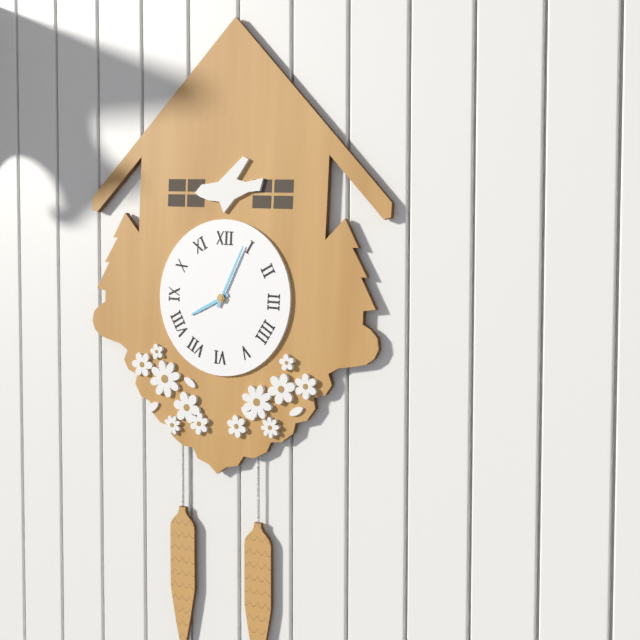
8:04
